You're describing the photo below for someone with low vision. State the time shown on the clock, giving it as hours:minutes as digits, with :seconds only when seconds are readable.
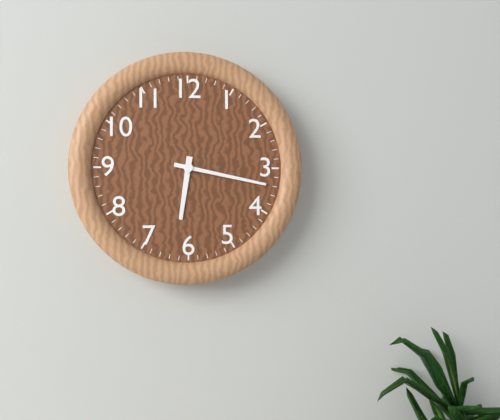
6:17
